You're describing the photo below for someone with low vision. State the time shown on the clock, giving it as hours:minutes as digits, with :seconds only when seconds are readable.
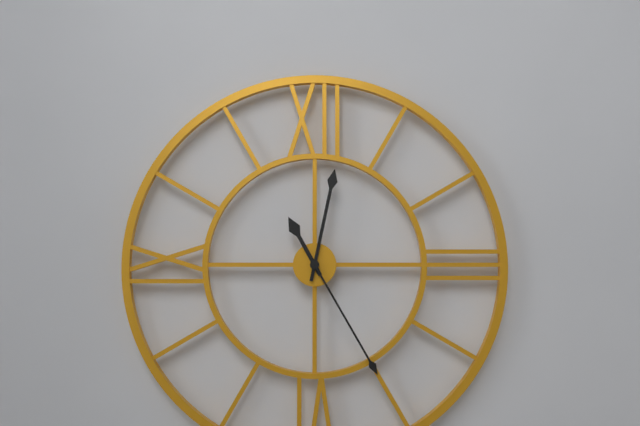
11:02:25
